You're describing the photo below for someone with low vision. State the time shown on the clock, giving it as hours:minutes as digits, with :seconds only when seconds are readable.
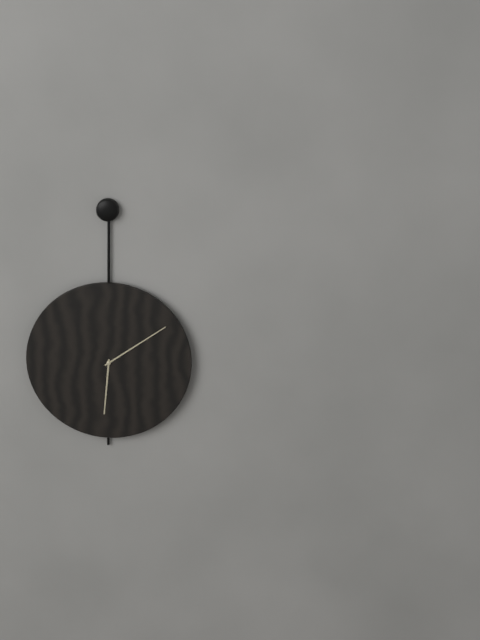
6:09
